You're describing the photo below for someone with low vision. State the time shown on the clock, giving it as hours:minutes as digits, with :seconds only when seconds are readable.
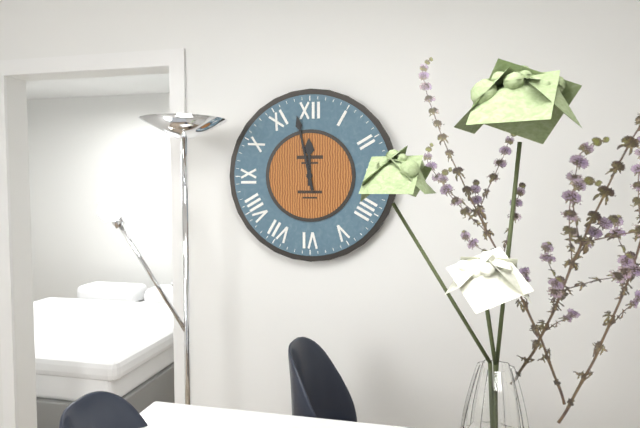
11:58
